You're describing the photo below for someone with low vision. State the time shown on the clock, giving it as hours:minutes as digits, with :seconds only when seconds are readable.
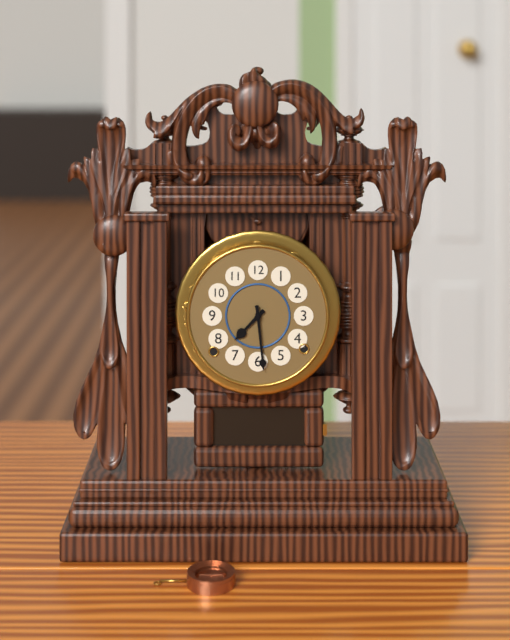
7:29
